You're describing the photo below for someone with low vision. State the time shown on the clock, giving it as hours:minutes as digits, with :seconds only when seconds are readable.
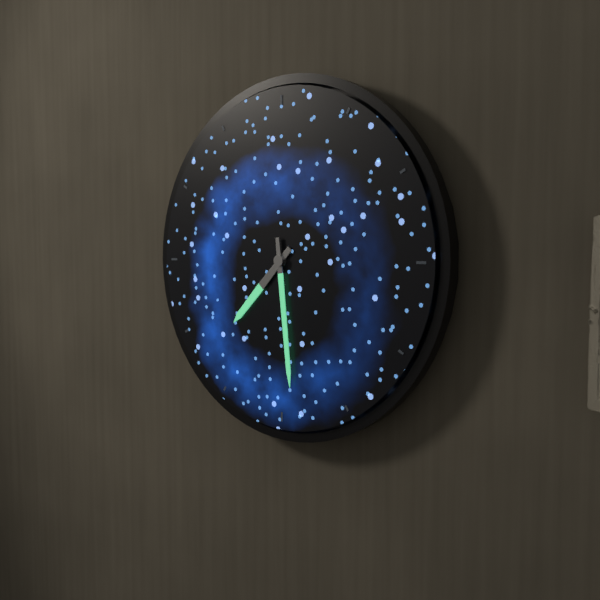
7:29
